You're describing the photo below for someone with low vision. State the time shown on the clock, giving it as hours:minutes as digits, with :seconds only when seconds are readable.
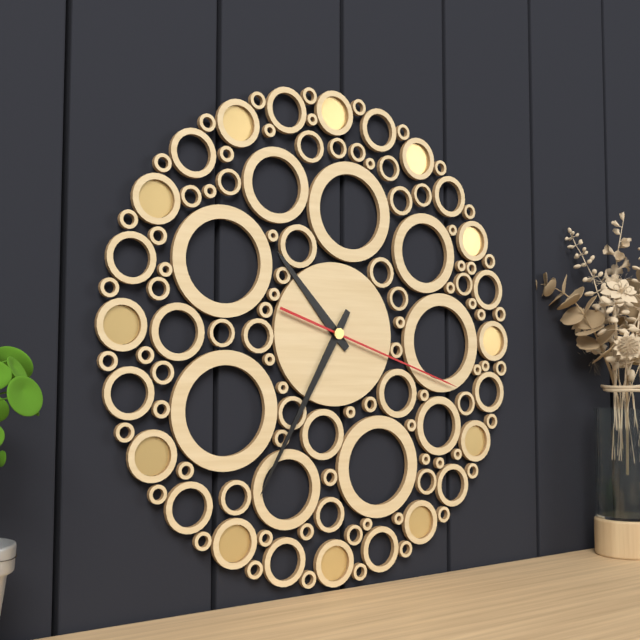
10:35:18
